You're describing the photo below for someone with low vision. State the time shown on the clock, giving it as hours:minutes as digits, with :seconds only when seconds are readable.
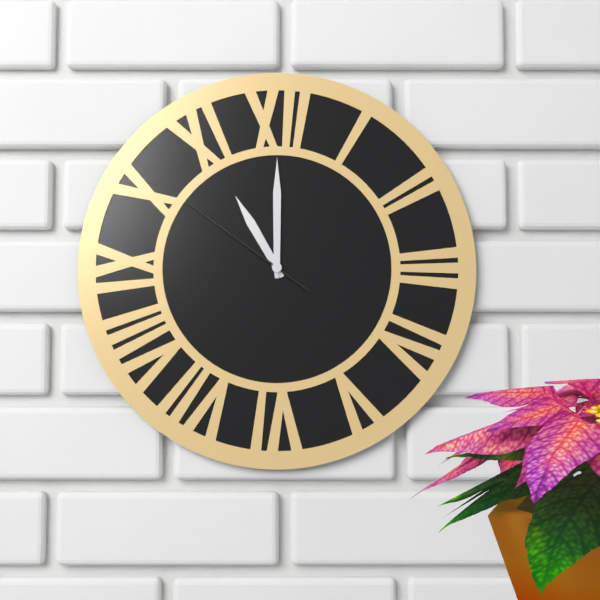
11:00:51
